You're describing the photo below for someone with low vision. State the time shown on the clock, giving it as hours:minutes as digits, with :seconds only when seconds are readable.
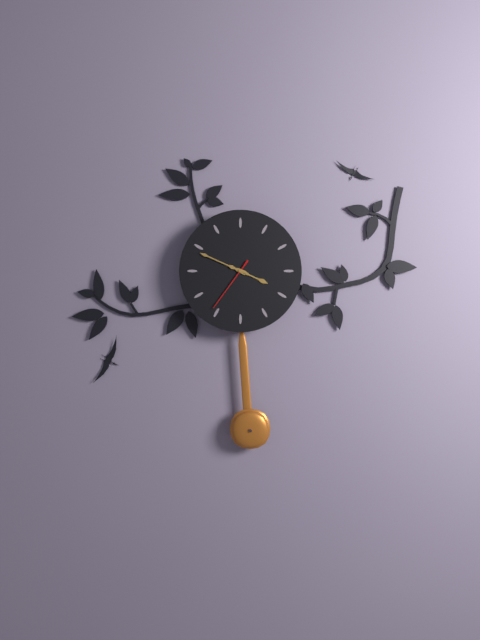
3:49:36
